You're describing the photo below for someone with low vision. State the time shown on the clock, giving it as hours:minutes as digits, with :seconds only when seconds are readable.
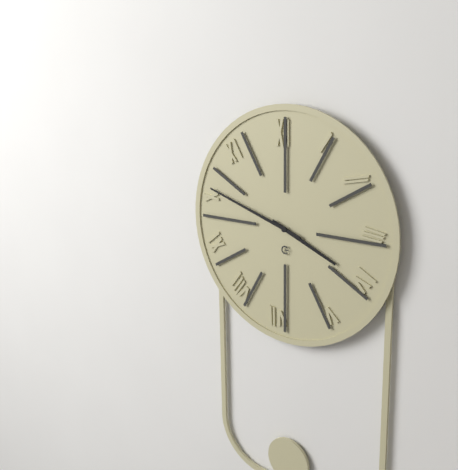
3:48
